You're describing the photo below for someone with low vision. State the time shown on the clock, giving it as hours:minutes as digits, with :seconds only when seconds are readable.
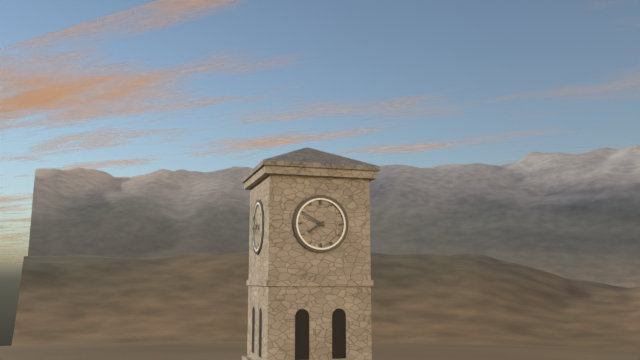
7:50
